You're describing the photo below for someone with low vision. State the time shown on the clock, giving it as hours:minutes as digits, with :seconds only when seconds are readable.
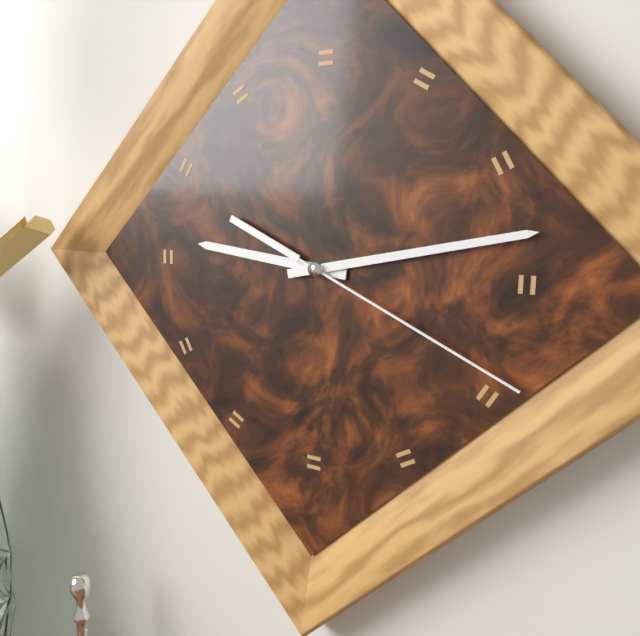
9:13:19
